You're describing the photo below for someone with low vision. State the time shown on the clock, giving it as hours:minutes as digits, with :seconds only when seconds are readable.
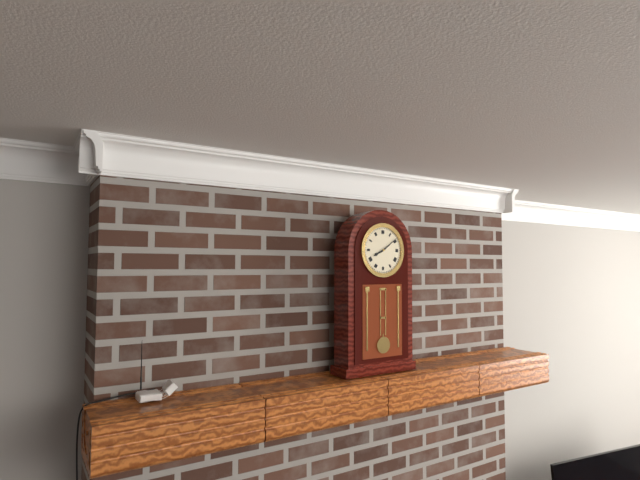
8:09
